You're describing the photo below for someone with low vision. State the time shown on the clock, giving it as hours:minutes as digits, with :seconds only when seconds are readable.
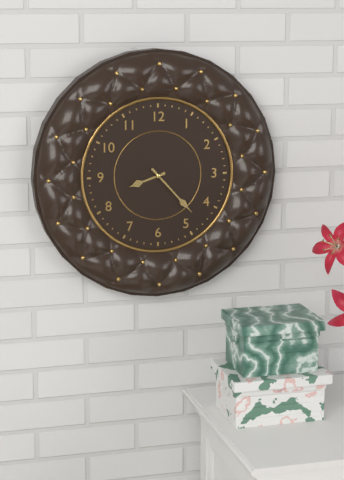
8:23
